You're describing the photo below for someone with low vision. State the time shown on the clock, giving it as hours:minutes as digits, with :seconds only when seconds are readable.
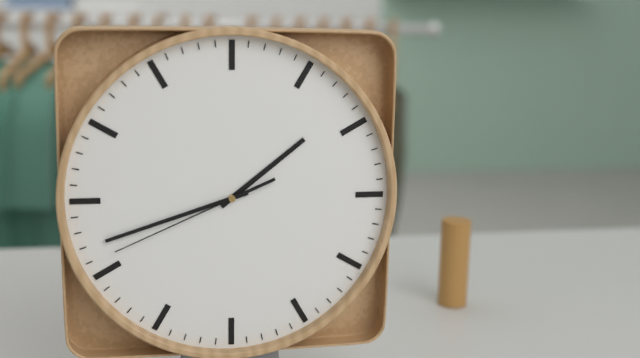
1:42:41
